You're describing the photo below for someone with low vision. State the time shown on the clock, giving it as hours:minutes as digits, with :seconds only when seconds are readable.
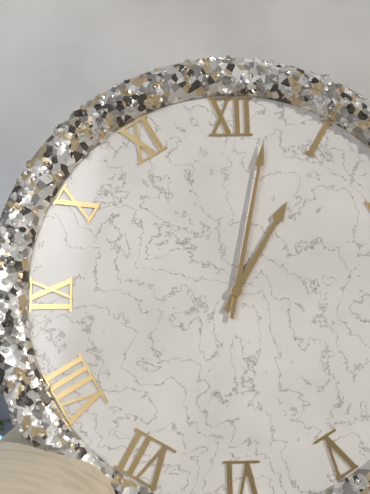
1:02
